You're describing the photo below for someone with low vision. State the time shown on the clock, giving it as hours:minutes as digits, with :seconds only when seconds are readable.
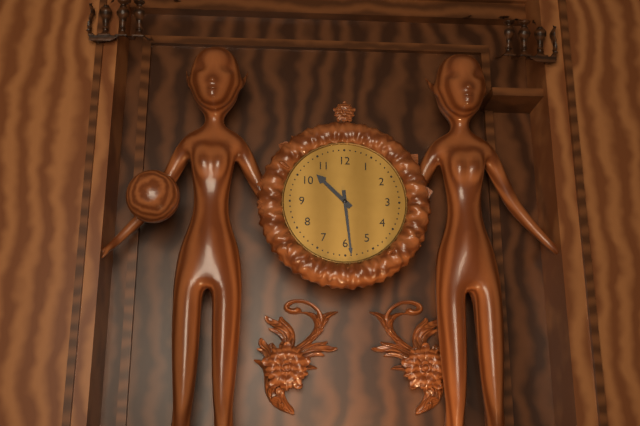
10:29
